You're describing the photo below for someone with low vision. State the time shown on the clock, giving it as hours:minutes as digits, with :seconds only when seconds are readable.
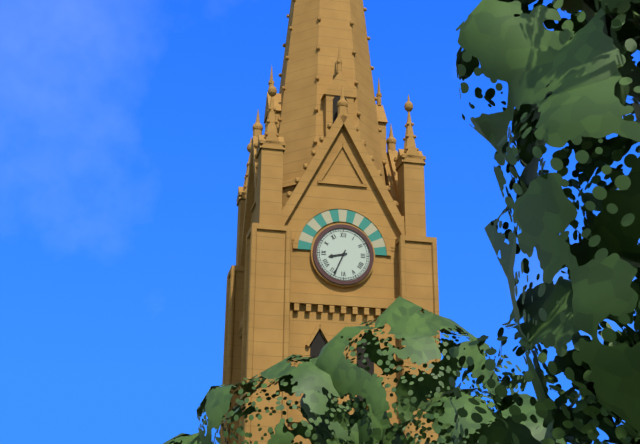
8:34
